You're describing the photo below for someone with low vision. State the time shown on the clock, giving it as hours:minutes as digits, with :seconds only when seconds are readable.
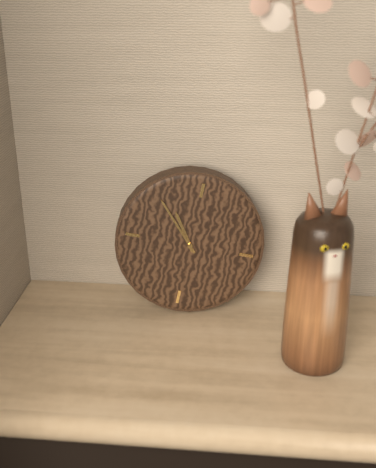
10:53
